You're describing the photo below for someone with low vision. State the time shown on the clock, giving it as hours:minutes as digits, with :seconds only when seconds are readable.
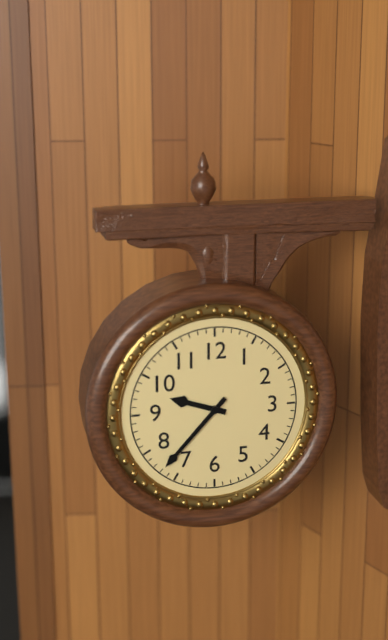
9:37
